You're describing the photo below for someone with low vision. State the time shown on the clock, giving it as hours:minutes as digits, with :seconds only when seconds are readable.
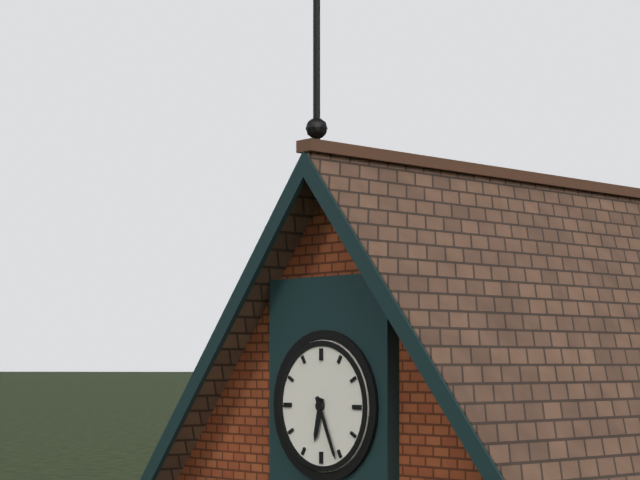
6:26
